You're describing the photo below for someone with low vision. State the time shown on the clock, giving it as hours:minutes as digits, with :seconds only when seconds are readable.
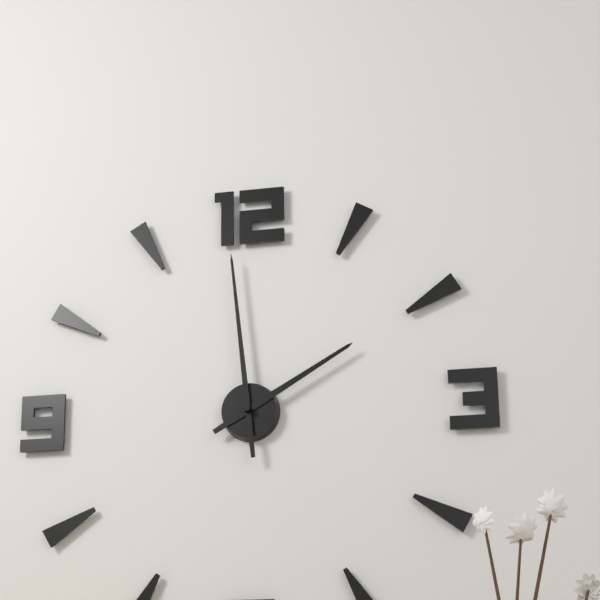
1:59
